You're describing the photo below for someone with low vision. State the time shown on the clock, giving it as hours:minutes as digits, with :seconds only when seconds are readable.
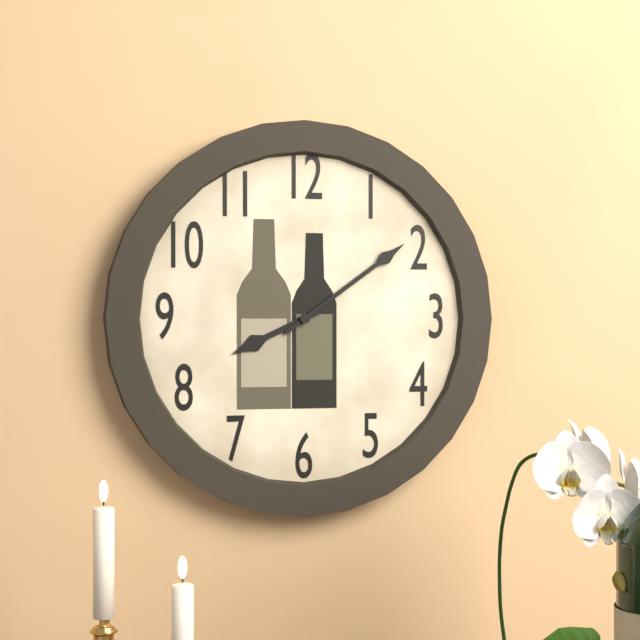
8:09
